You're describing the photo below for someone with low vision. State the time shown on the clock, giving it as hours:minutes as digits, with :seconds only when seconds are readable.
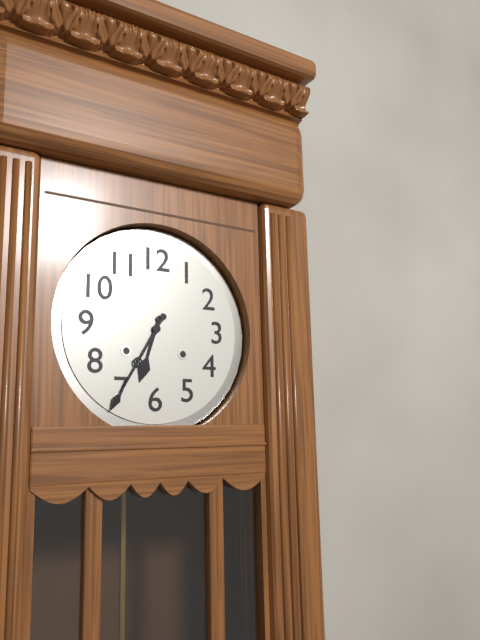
6:35
